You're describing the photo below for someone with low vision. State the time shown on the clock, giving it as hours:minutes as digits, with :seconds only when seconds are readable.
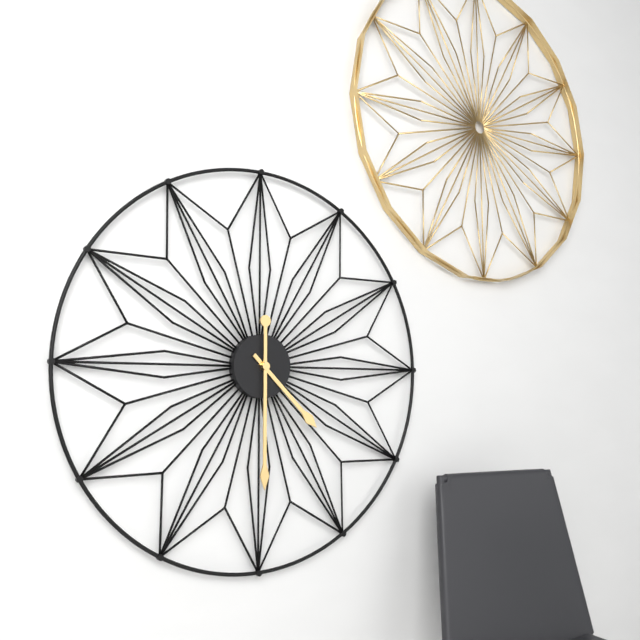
4:30
